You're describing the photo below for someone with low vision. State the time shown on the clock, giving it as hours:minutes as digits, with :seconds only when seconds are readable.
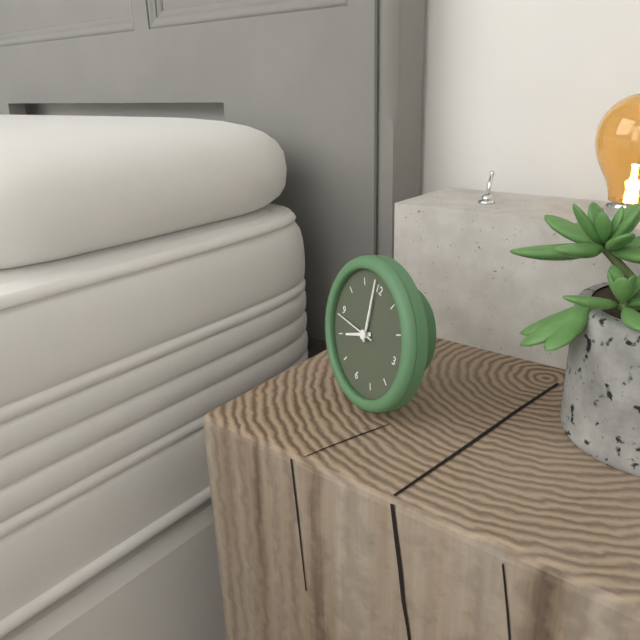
7:59
